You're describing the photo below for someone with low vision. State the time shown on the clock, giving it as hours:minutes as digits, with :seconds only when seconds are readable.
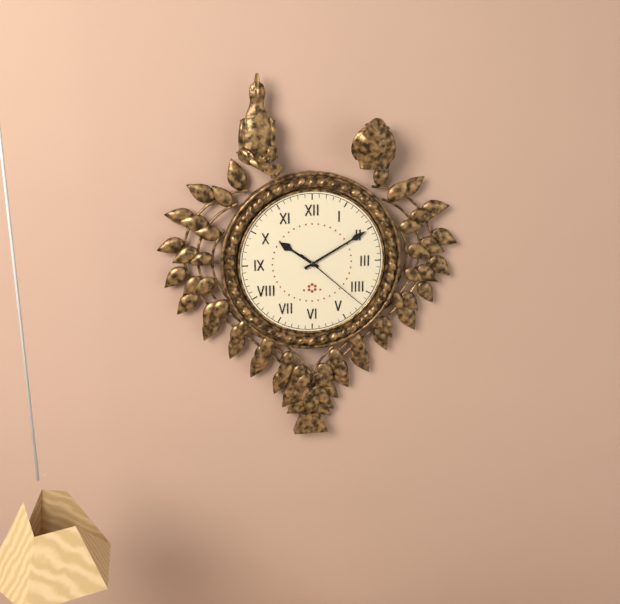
10:10:22
